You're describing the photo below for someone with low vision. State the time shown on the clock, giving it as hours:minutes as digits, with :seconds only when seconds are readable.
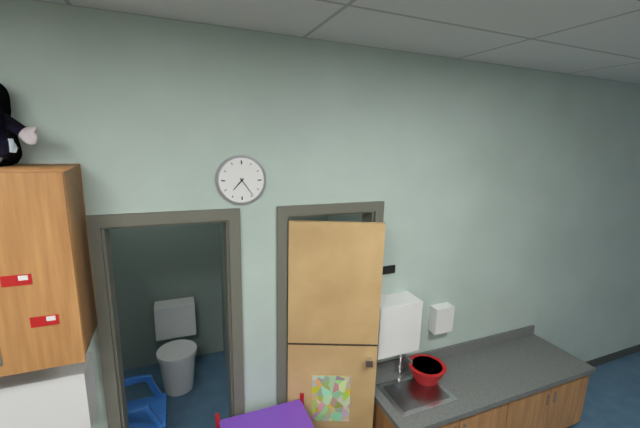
7:24
